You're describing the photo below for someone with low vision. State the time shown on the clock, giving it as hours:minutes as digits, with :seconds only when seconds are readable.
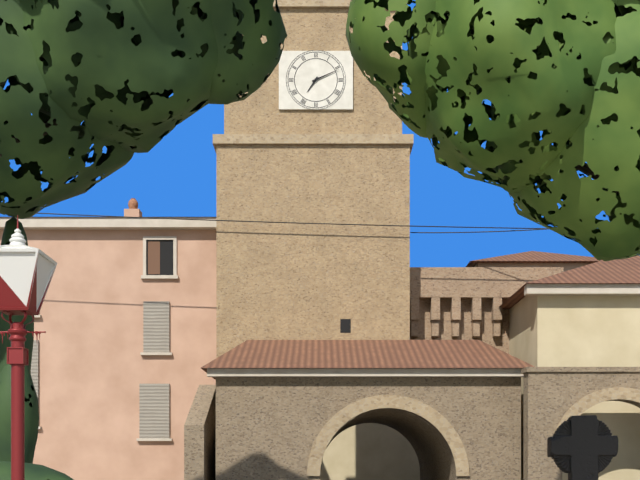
7:11
